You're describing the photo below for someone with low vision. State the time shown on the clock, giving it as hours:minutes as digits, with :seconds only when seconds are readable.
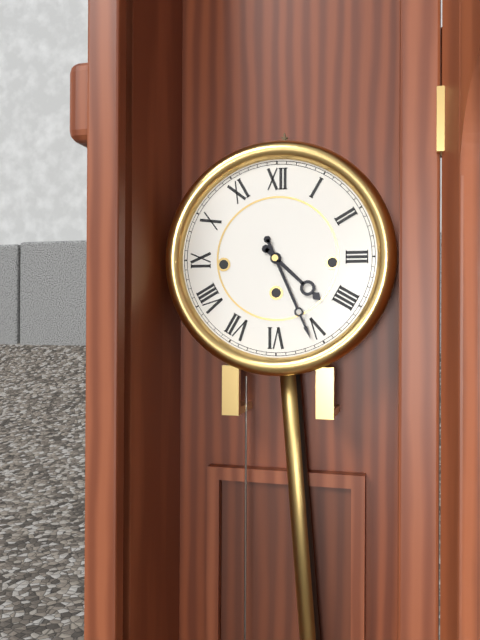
4:26
